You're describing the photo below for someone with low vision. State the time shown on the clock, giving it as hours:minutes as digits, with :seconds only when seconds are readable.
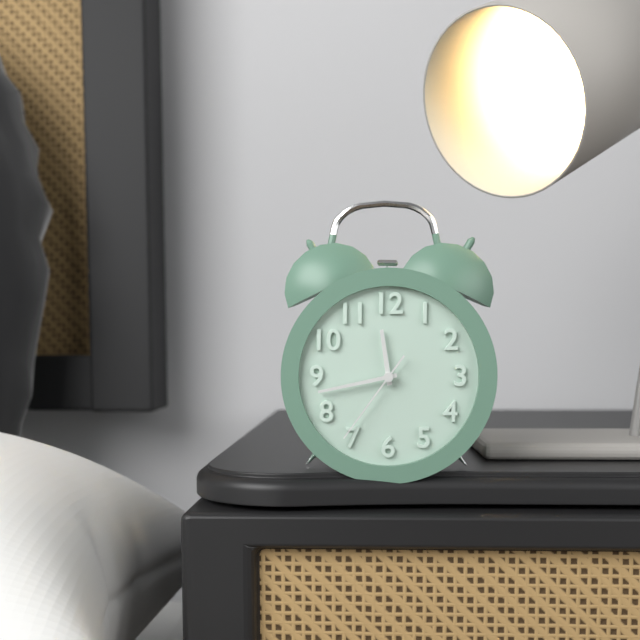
11:43:36
